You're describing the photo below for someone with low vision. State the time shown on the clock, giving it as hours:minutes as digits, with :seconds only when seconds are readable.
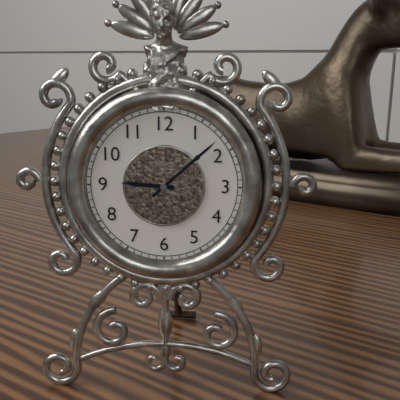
9:08
